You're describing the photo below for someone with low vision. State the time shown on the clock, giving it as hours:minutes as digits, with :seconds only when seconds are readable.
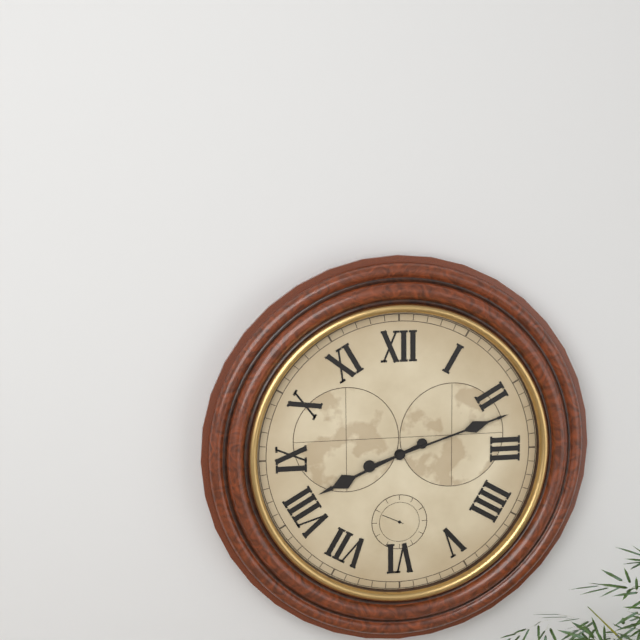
8:12
